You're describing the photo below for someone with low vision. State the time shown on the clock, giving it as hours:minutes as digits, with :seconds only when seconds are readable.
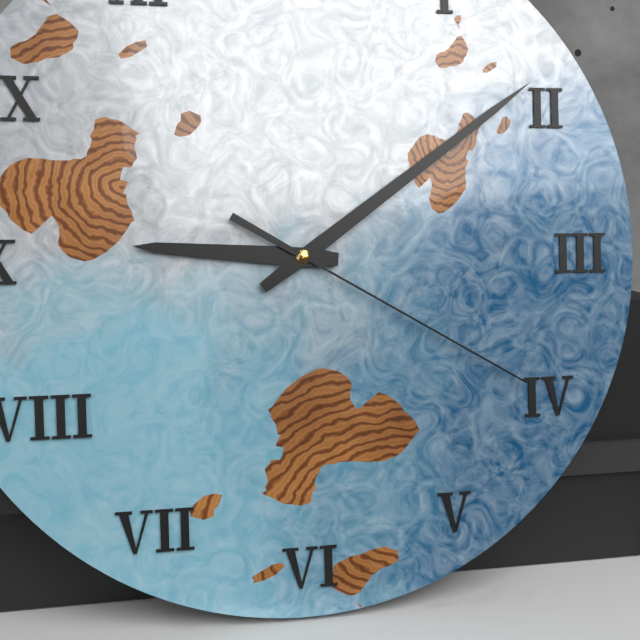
9:09:20
